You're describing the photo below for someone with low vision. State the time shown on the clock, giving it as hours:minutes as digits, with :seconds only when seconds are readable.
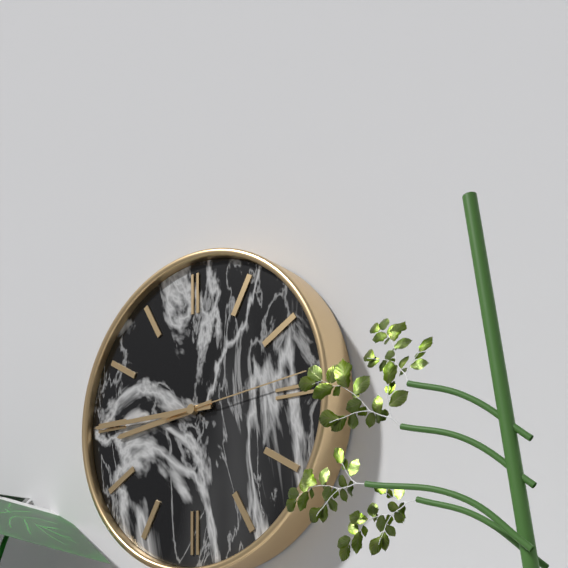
8:45:14
